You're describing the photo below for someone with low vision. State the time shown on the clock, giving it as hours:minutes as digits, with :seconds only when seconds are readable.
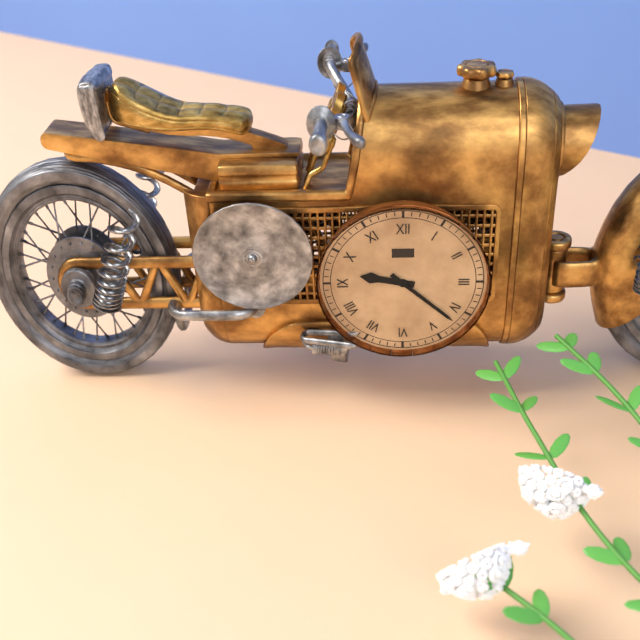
9:22
